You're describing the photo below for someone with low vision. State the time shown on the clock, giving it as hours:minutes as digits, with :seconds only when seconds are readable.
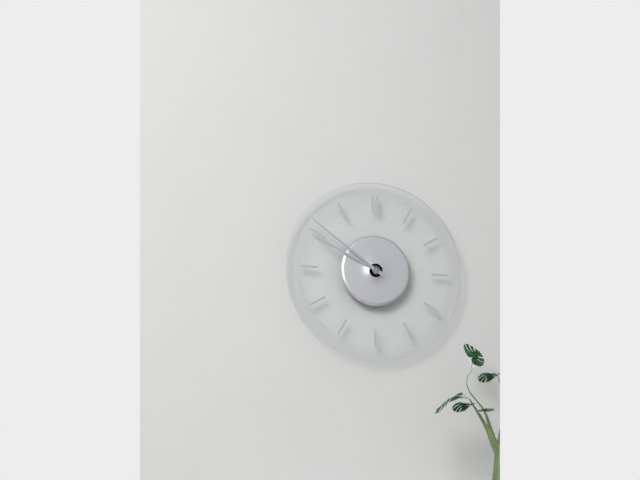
9:51
